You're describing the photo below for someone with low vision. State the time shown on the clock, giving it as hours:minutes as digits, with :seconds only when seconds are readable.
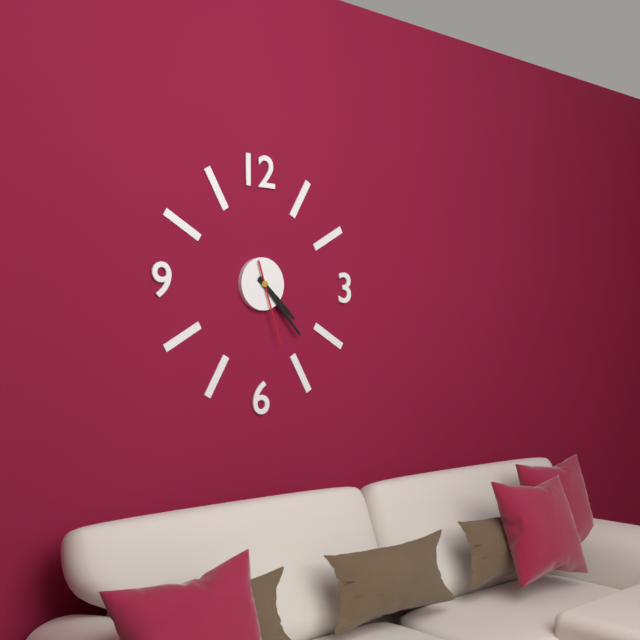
4:23:27
